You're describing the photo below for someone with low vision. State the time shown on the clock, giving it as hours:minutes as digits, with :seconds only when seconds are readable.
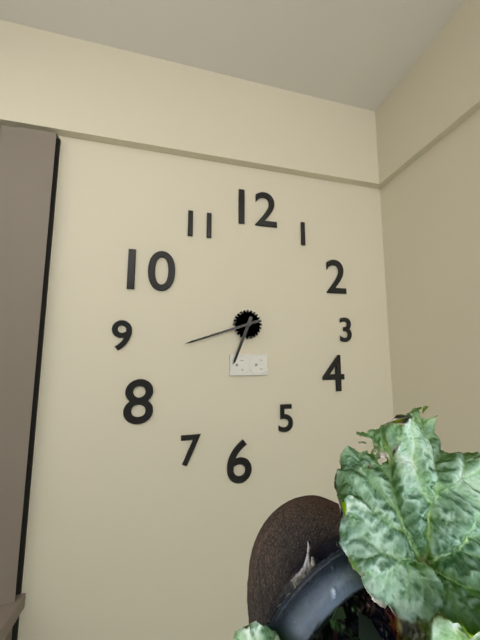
6:42
